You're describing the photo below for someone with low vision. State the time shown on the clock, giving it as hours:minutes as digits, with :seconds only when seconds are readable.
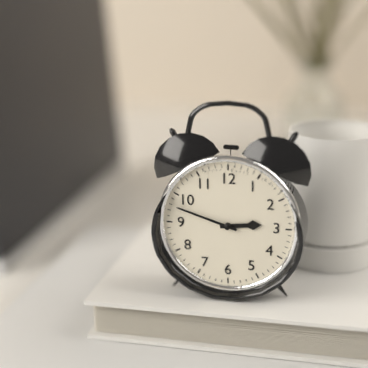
2:48
